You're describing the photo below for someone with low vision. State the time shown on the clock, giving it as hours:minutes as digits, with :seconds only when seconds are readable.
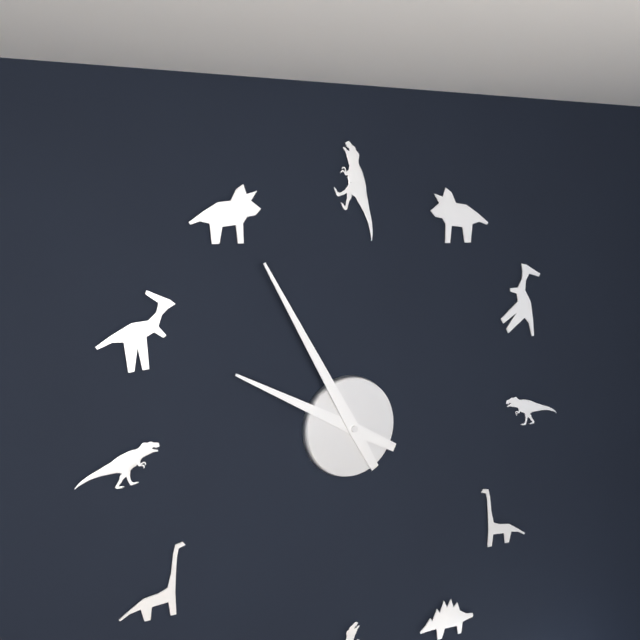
9:55
